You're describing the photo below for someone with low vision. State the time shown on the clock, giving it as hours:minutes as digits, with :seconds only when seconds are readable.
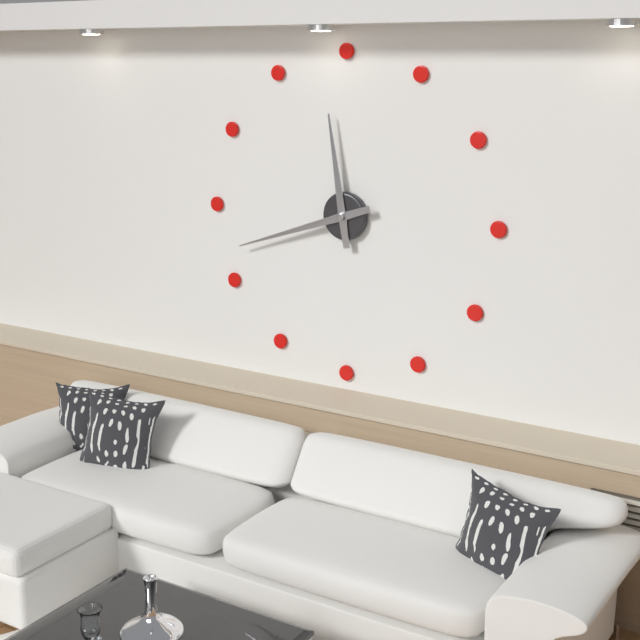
11:42
